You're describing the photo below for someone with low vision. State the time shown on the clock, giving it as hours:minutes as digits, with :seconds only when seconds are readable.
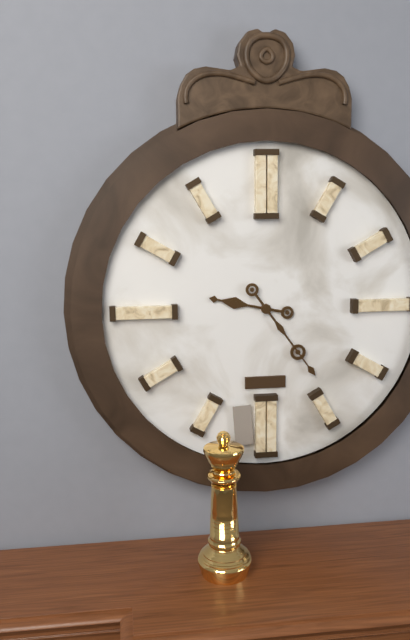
9:24
